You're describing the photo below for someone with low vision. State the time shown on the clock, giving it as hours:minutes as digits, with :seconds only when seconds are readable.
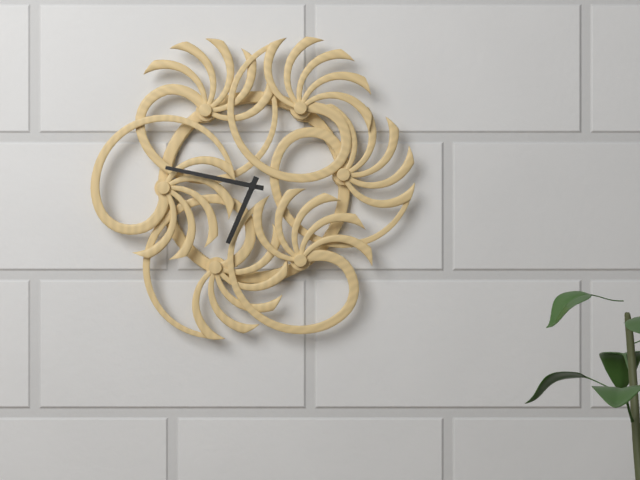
6:47
